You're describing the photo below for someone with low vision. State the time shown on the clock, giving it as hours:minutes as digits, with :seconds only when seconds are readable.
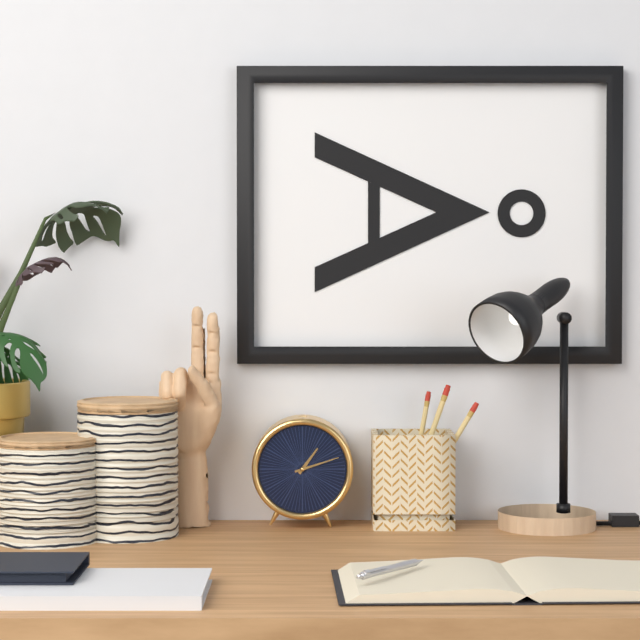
1:12
